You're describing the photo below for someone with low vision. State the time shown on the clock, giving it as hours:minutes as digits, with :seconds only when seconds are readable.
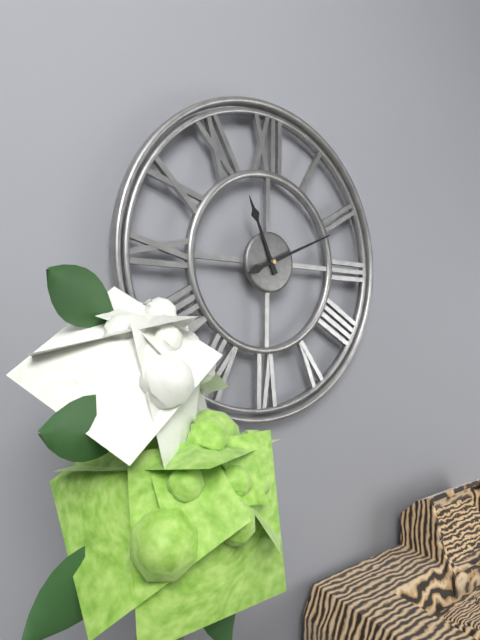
11:11
